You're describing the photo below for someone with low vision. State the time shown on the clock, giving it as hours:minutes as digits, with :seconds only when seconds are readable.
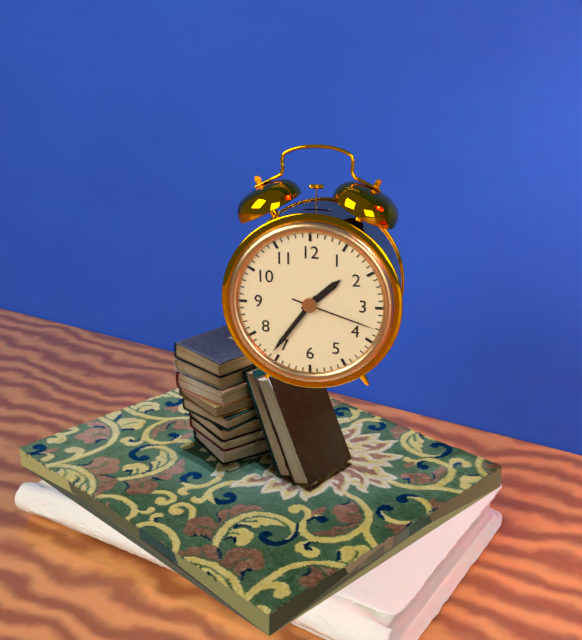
1:36:18
